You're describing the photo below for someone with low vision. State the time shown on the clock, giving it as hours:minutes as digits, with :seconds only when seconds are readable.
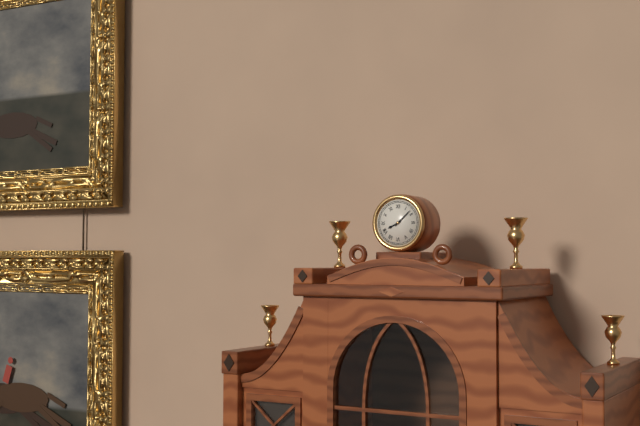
8:08
